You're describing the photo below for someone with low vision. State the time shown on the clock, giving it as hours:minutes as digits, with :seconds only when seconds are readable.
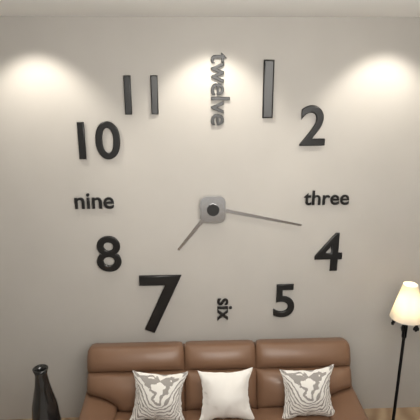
7:17
